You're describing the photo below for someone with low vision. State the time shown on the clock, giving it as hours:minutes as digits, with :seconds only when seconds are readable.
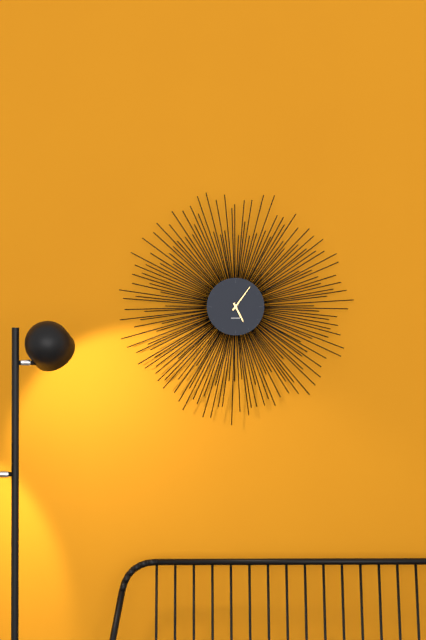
5:06
